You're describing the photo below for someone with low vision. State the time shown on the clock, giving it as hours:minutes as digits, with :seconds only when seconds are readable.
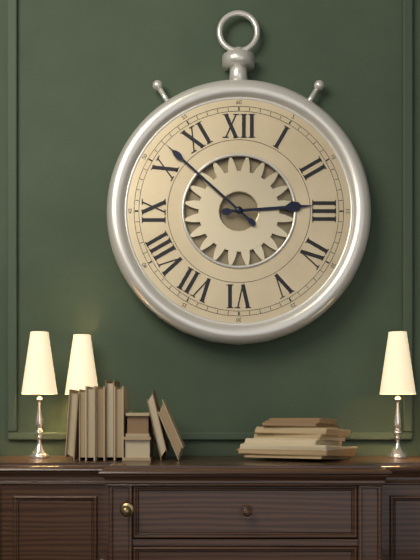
2:52
